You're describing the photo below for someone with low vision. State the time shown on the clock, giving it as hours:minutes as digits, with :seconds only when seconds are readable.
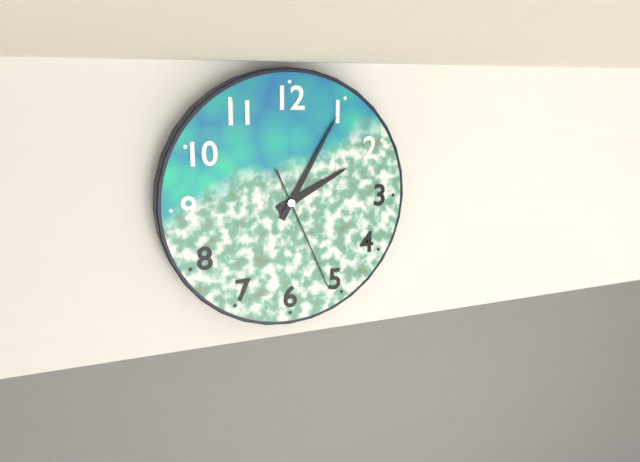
2:05:26
